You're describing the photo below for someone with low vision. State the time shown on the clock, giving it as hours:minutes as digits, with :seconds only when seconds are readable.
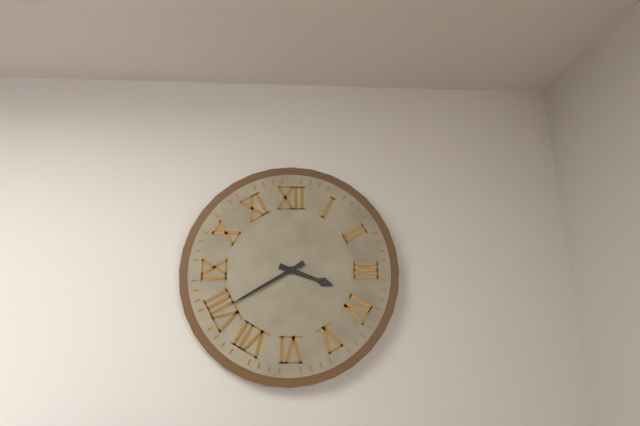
3:40
